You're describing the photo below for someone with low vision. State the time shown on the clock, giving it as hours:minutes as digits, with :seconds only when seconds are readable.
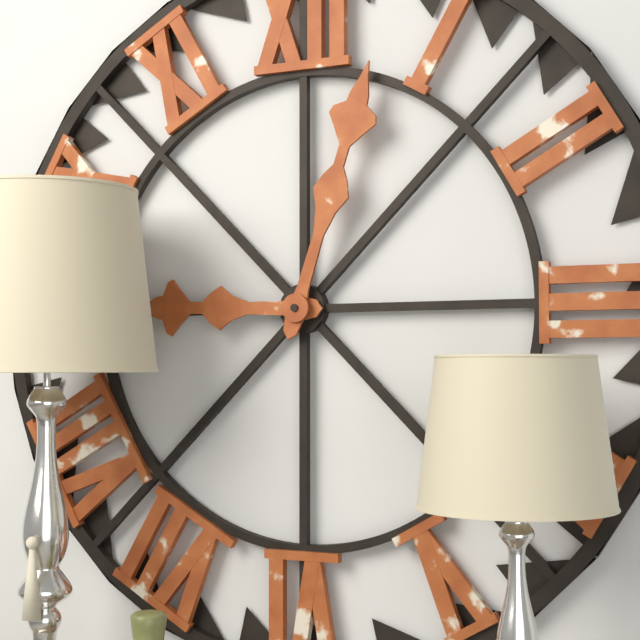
9:03
